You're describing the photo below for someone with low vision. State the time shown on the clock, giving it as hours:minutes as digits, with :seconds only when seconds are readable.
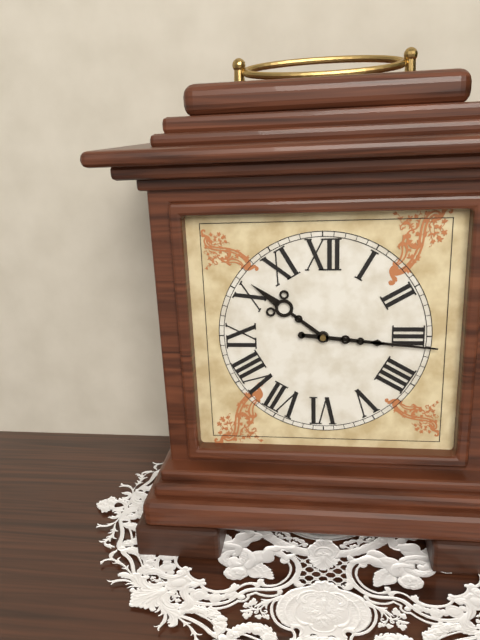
10:16
